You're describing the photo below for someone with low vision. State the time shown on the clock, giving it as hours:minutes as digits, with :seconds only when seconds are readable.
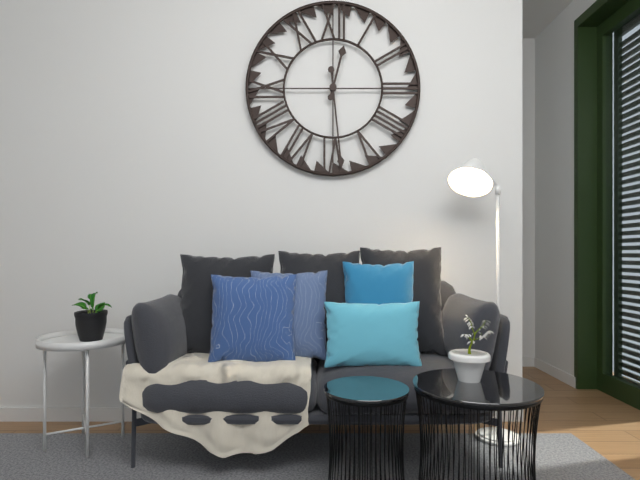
12:29
